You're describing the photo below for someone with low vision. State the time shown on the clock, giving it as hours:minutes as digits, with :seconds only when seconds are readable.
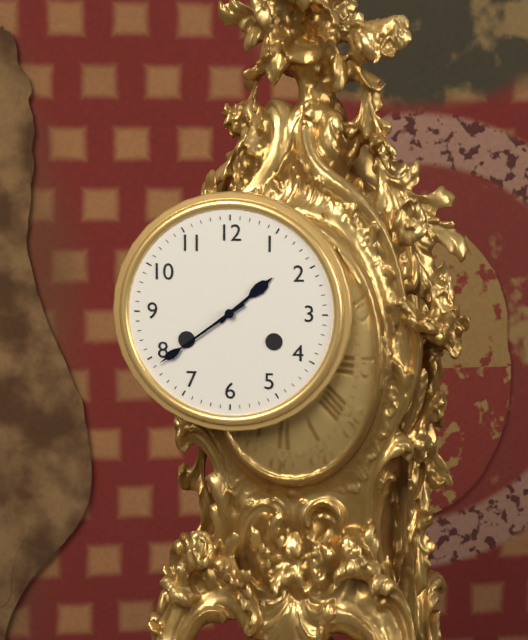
1:39
